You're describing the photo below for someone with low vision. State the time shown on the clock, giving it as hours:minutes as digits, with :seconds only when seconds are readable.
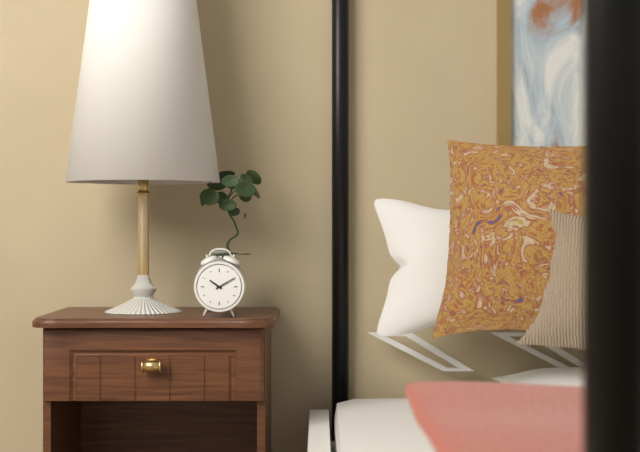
10:10
